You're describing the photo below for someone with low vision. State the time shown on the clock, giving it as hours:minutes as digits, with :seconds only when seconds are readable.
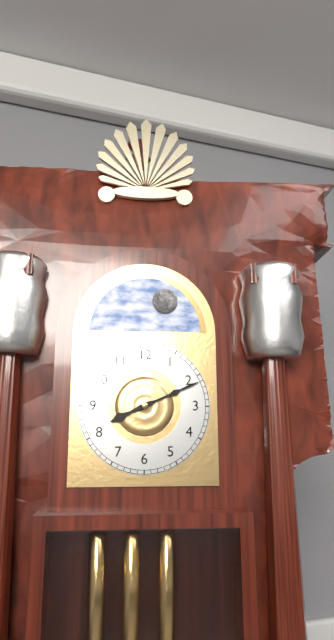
8:11
